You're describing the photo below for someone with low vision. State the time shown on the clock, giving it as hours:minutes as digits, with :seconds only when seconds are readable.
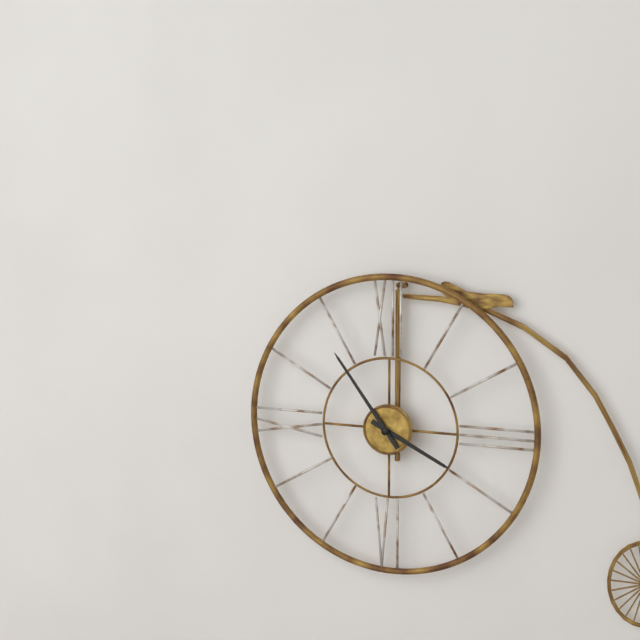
3:54
